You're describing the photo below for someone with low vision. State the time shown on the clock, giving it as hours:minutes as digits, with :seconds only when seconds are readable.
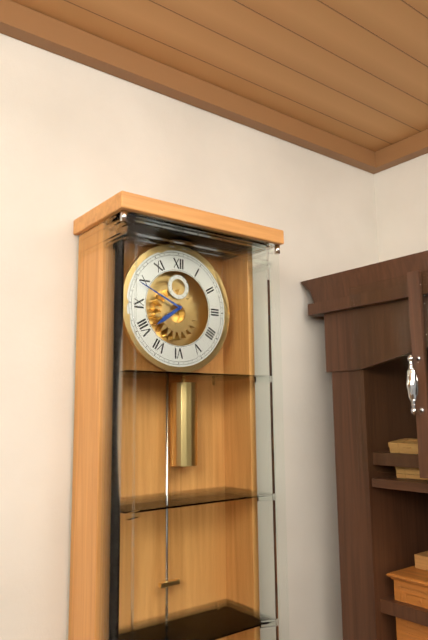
7:49
